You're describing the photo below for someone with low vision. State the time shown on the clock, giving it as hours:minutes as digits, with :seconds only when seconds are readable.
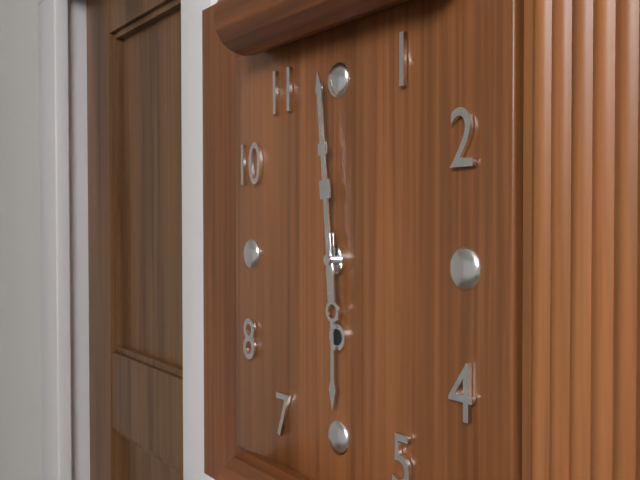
5:59
